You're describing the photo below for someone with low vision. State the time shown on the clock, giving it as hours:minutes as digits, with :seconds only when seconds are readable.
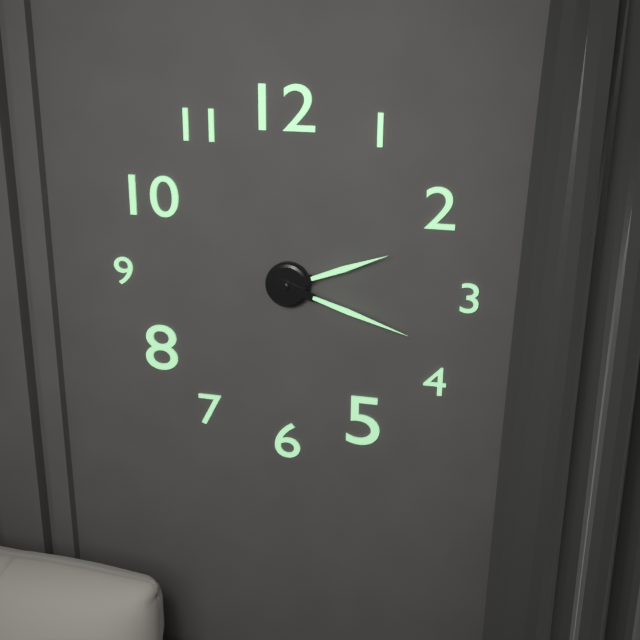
2:18
